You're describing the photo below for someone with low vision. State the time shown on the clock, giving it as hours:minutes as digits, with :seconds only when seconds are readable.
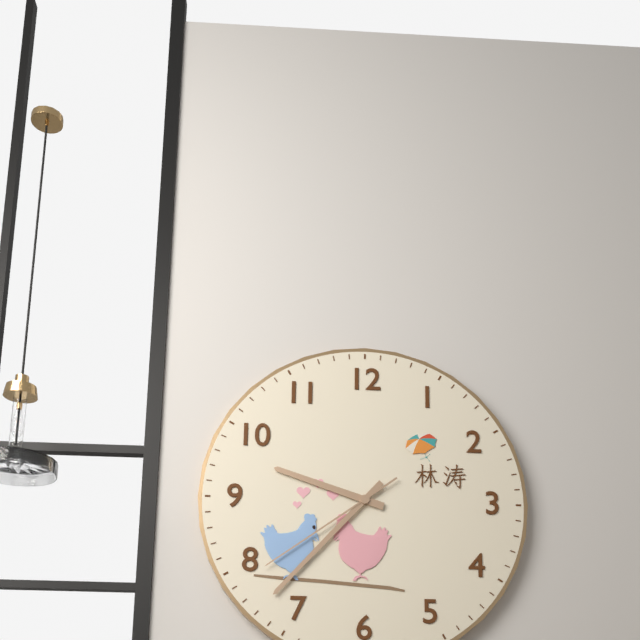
9:37:39
